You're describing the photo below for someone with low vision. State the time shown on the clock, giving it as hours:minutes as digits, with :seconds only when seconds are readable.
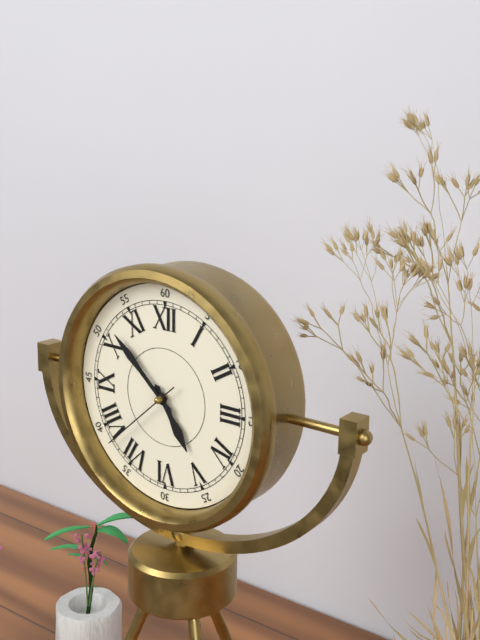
4:52:38
